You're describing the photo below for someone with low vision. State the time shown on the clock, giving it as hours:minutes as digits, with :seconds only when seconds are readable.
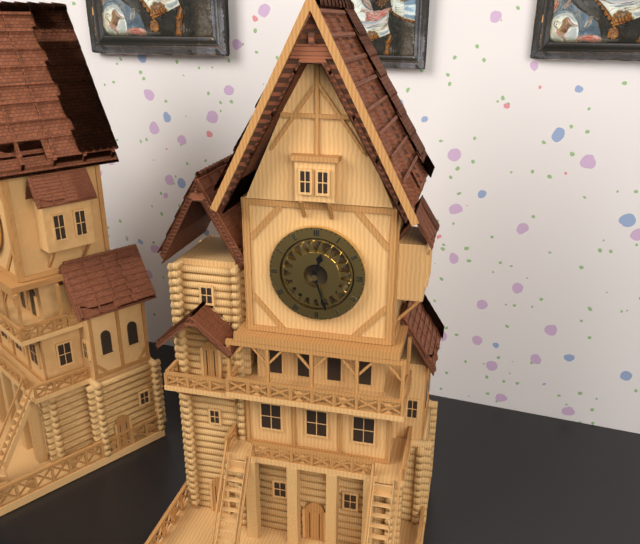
12:27
